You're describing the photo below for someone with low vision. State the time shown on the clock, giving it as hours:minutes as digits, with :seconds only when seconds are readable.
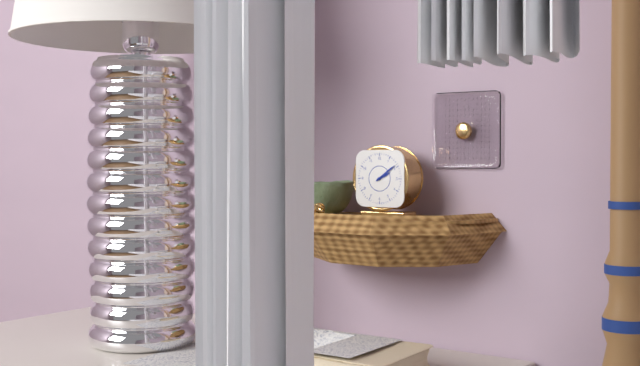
2:09
